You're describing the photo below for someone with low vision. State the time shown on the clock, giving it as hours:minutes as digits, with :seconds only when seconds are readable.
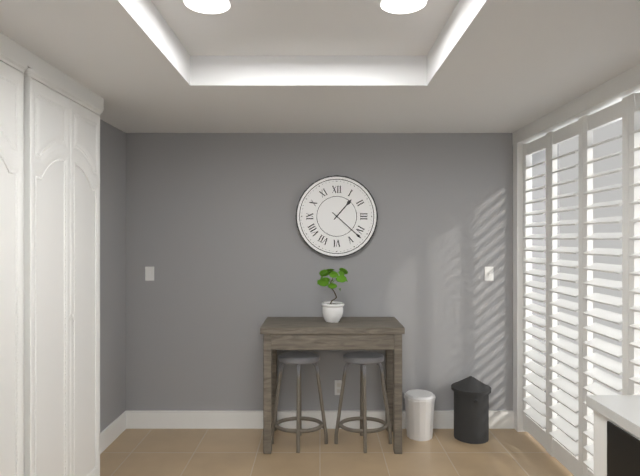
1:22
